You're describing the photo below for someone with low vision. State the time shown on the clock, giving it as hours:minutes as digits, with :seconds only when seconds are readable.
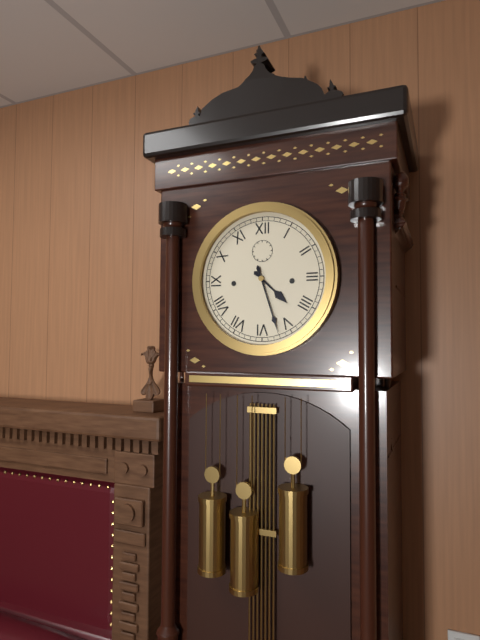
4:27
